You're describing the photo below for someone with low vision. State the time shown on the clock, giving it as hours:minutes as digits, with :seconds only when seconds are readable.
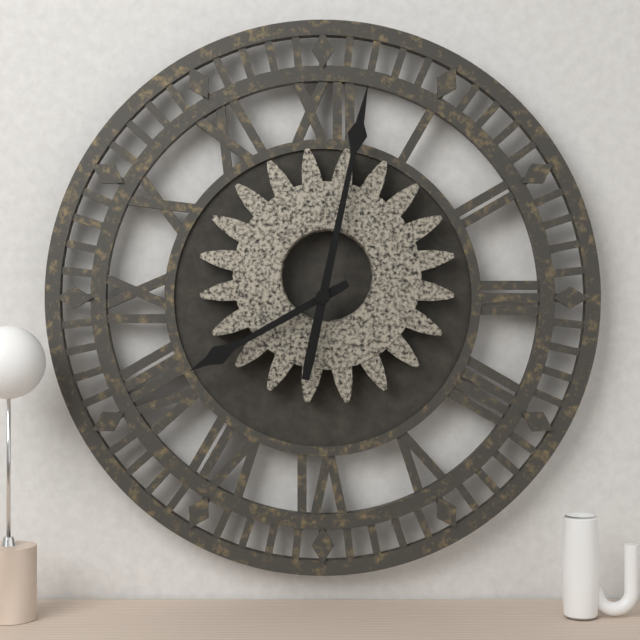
8:02
